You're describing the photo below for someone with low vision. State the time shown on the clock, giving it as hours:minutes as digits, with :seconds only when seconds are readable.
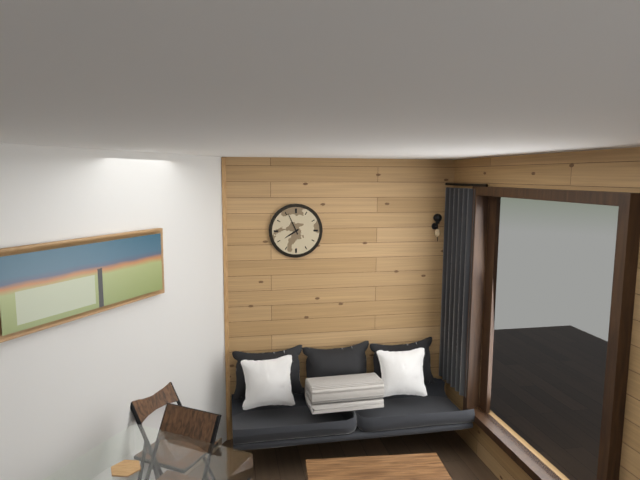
7:56
